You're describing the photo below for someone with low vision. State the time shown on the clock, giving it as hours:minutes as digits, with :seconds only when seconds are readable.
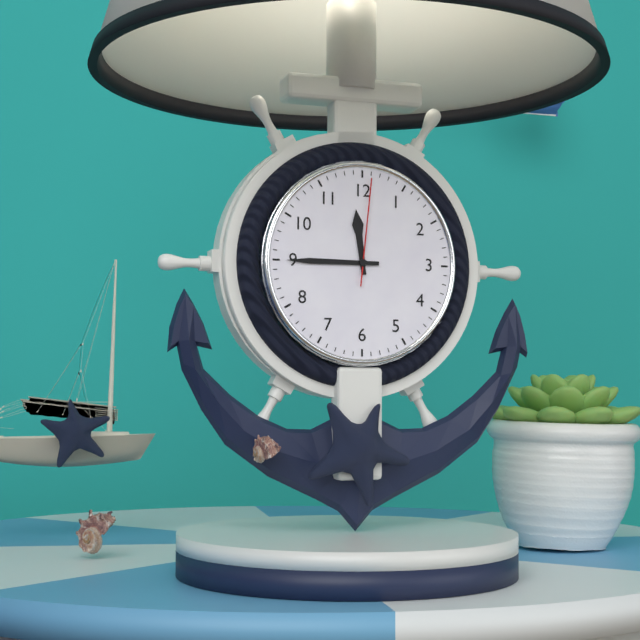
11:45:01
